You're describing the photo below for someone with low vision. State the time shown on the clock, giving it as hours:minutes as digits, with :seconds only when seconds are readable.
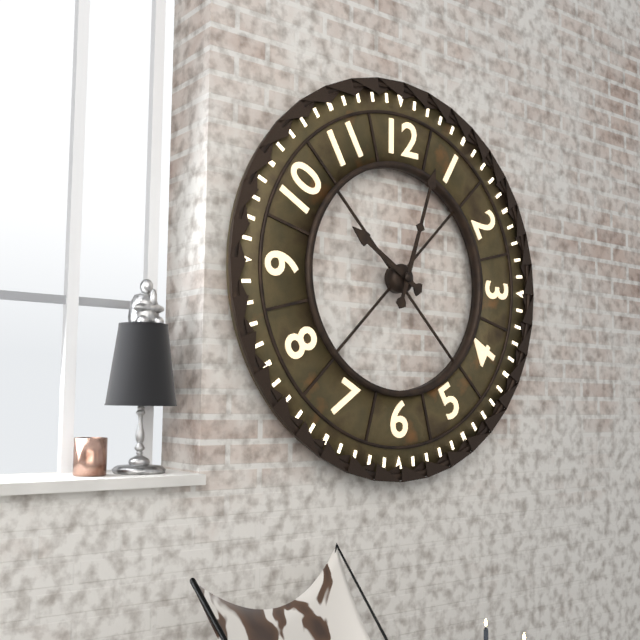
10:03
